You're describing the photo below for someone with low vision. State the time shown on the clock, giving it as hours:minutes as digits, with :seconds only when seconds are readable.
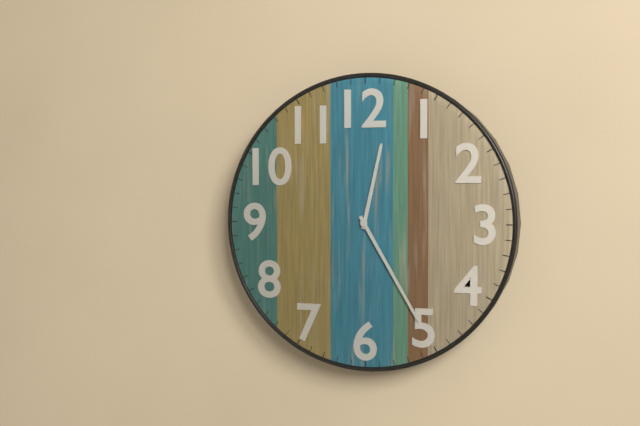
12:25
